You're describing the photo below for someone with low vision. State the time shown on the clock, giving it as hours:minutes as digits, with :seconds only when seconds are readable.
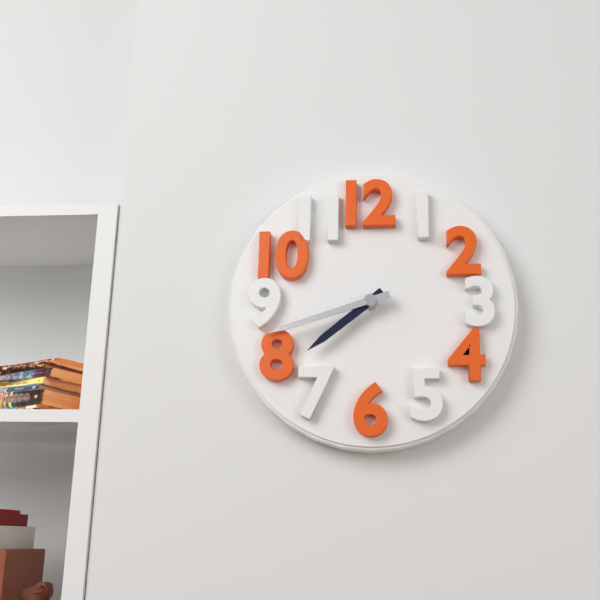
7:42
